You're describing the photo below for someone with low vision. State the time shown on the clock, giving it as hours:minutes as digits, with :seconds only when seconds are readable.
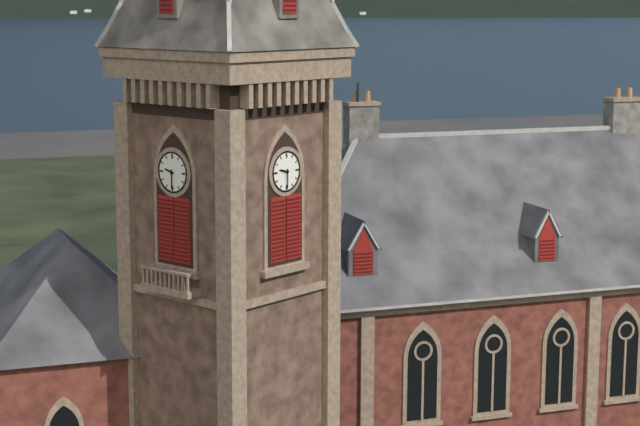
9:30
